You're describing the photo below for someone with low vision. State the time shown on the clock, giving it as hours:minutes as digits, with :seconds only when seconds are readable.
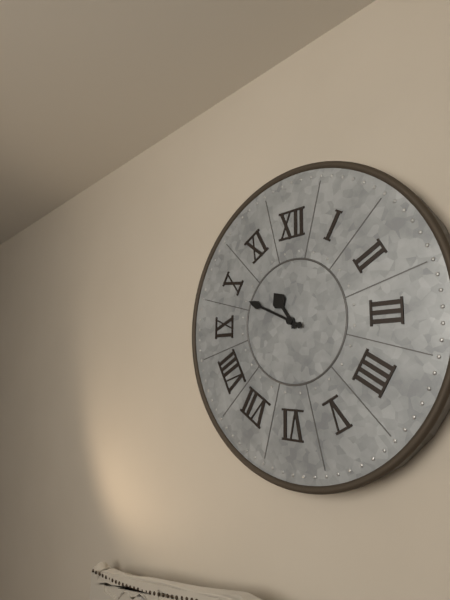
10:49
